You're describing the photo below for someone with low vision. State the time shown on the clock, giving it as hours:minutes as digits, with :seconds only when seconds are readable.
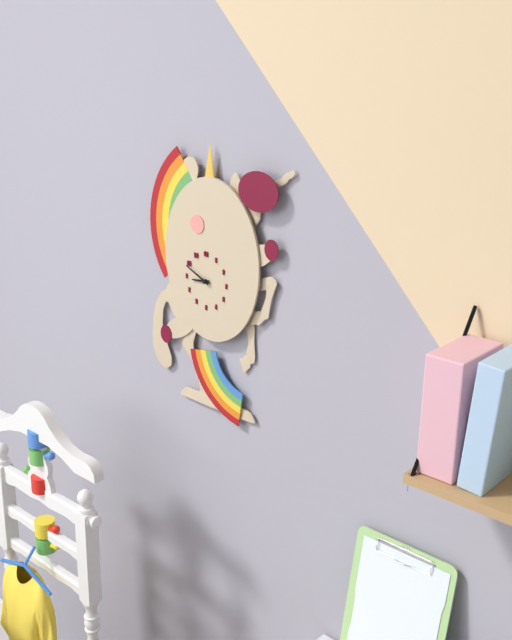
8:49
